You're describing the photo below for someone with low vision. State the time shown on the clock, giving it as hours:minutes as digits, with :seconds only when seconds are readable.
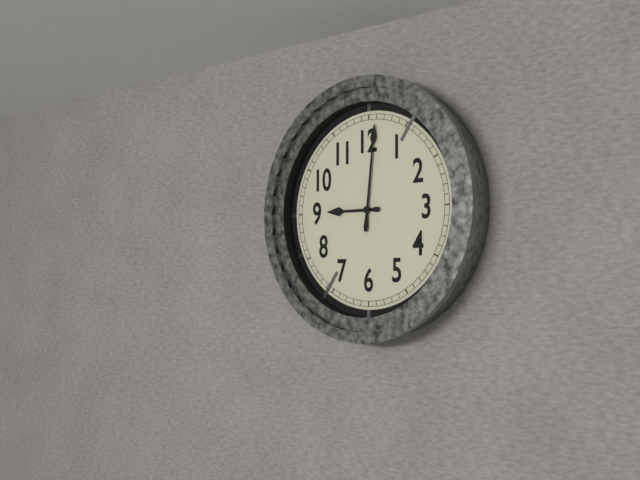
9:01
